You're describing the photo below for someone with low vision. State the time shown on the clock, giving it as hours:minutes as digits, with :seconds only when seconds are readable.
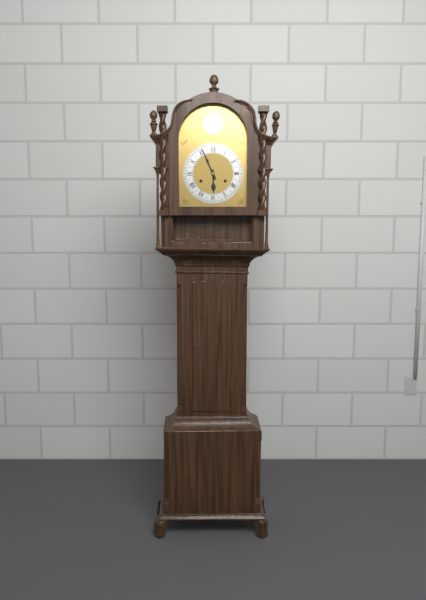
5:56
